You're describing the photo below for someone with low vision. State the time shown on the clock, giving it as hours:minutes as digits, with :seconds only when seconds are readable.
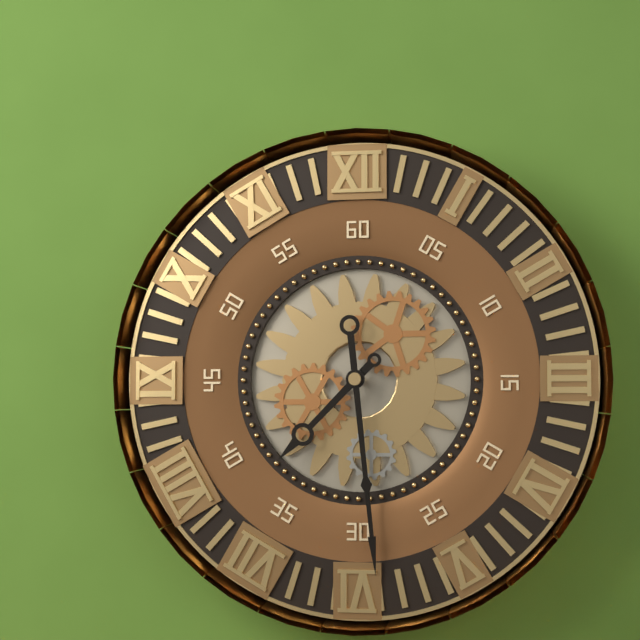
7:29
